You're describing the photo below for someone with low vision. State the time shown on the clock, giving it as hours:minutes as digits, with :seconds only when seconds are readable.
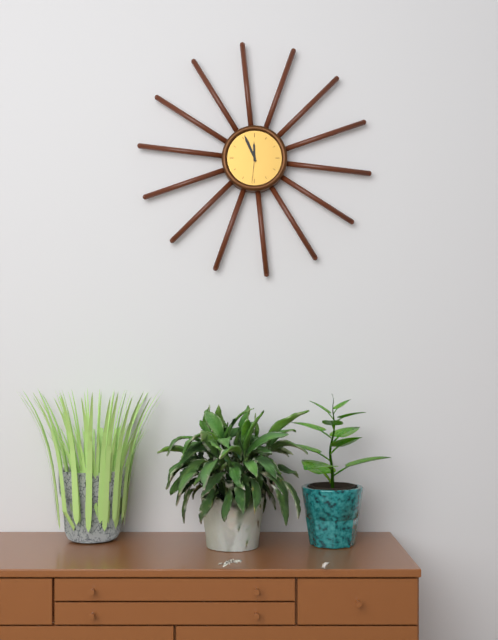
11:56
